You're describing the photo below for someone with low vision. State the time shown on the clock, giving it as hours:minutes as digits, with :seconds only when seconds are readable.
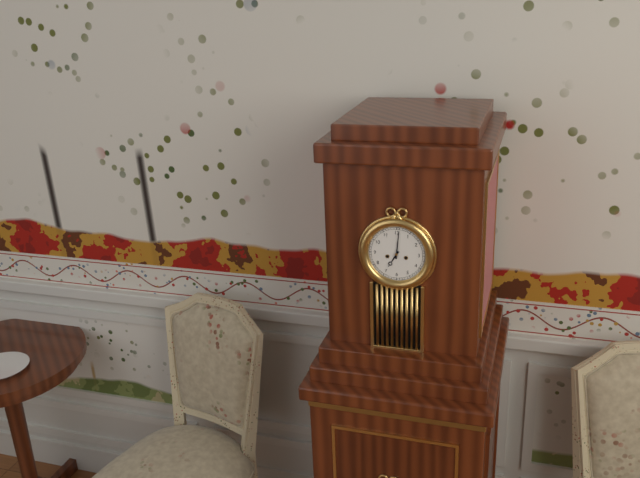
7:01
